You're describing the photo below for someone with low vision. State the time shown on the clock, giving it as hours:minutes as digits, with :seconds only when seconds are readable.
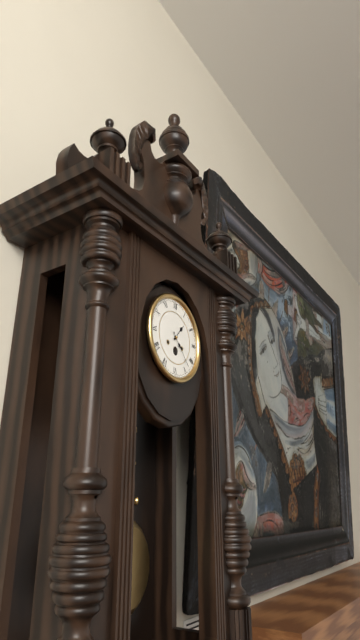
1:23
